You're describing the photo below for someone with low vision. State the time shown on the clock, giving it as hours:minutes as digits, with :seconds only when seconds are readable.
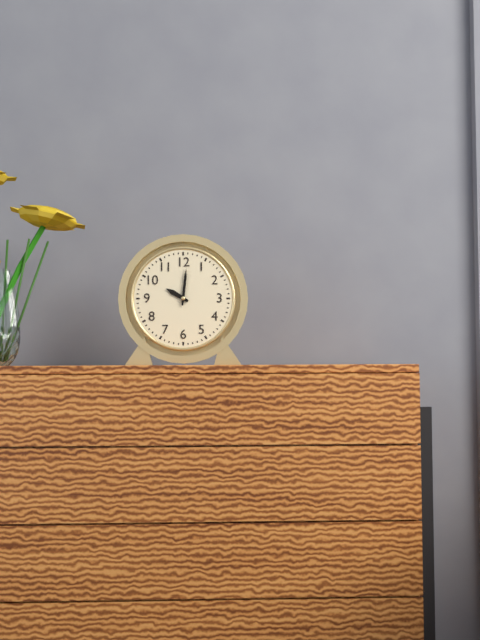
10:01
